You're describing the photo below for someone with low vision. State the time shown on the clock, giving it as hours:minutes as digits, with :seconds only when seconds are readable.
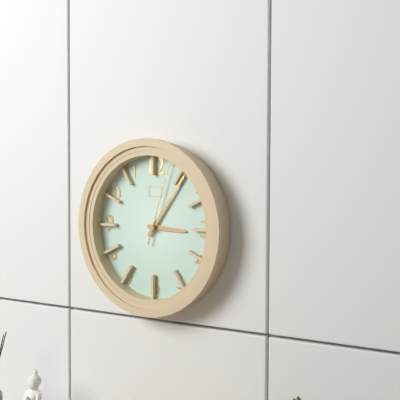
3:06:03
